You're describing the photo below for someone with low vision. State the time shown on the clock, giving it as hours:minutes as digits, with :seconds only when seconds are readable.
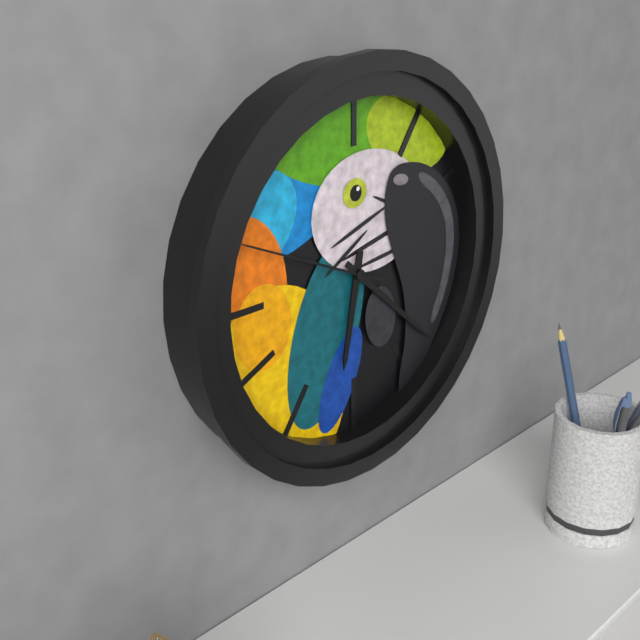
6:22:49
